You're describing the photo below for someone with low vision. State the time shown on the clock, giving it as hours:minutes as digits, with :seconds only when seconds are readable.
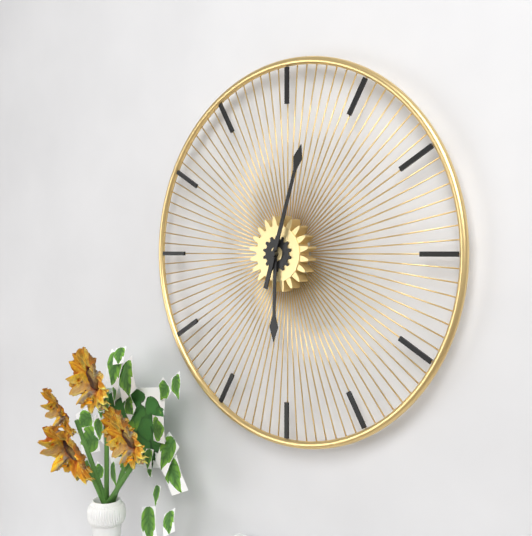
6:03
